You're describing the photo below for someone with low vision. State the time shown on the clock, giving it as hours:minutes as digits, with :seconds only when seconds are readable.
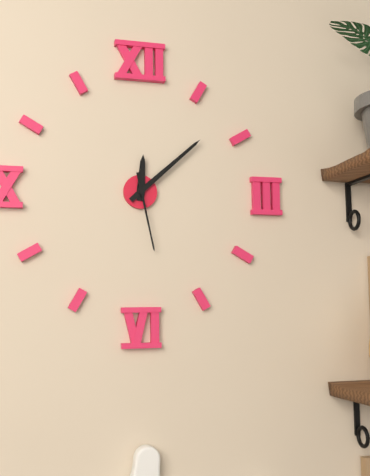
12:08:28
